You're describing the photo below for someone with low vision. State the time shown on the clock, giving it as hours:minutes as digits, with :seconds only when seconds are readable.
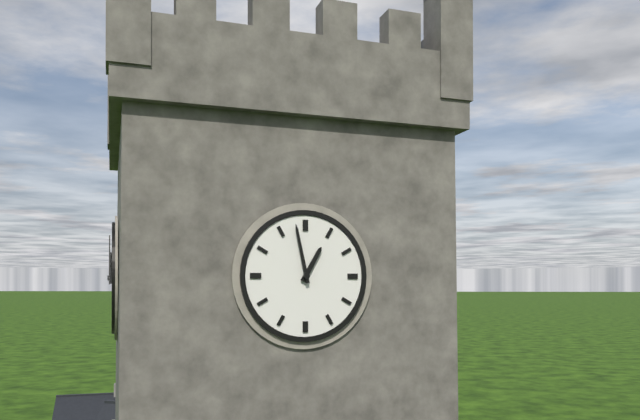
12:58
